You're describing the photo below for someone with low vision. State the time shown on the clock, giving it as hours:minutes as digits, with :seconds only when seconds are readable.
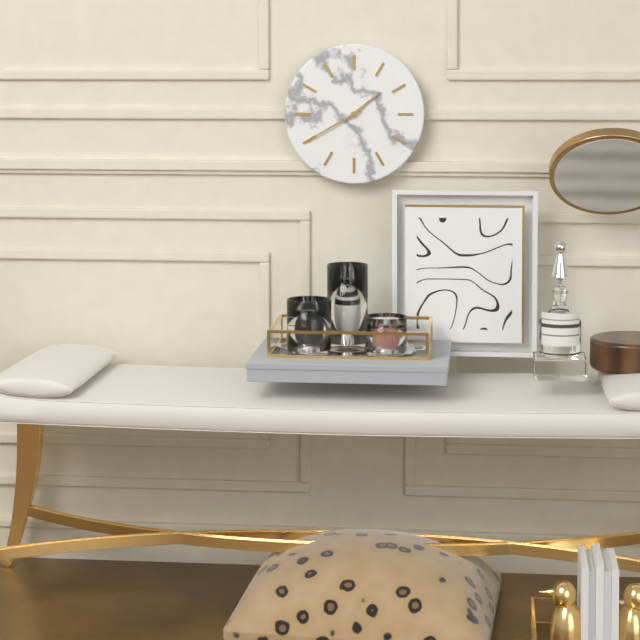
1:40
